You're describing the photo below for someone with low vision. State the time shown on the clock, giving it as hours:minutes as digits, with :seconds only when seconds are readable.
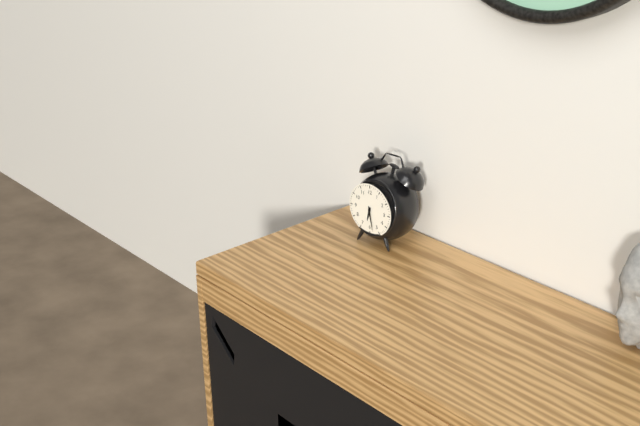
6:28
